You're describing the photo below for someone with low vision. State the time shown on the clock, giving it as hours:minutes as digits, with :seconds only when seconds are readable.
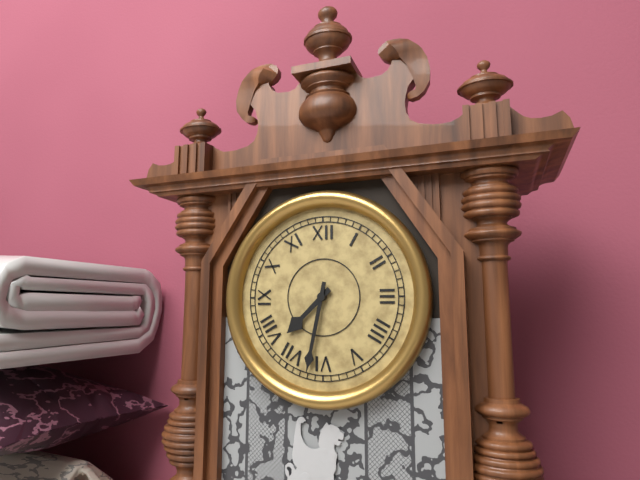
7:32
